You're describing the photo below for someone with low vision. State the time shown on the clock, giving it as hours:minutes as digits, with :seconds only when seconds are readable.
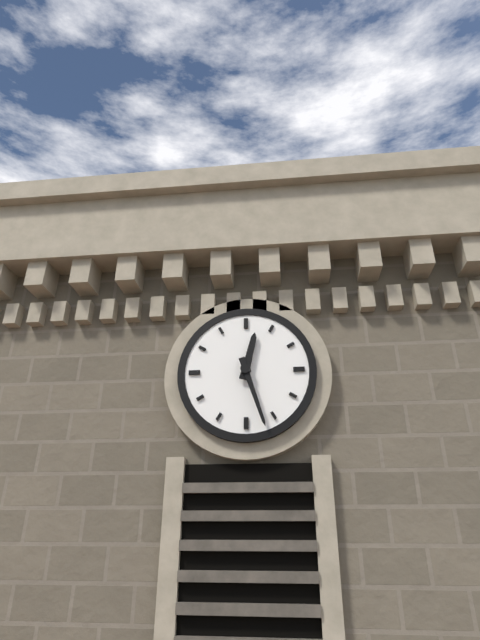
12:27
